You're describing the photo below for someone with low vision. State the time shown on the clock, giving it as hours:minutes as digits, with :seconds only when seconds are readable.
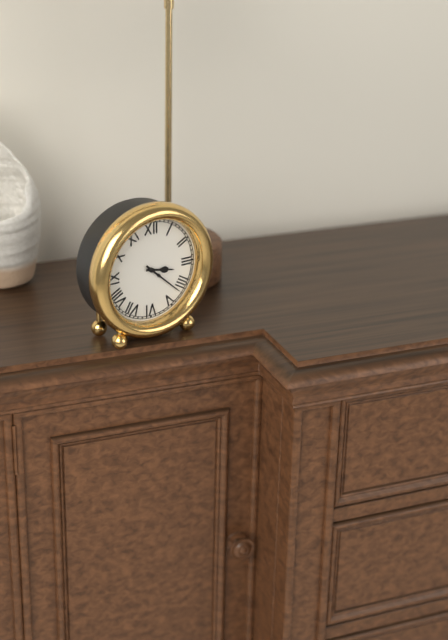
3:22
